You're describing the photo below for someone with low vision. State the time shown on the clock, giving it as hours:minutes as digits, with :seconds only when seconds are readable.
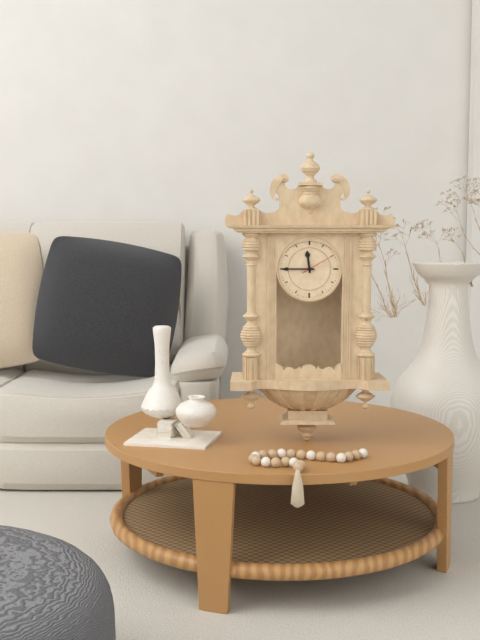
11:45
